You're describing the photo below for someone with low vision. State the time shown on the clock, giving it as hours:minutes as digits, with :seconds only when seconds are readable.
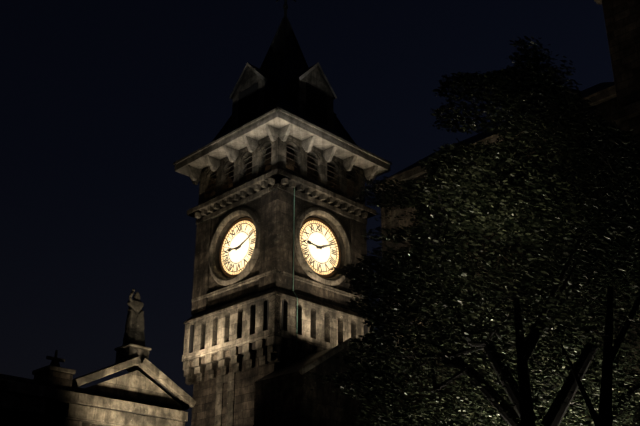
9:11
